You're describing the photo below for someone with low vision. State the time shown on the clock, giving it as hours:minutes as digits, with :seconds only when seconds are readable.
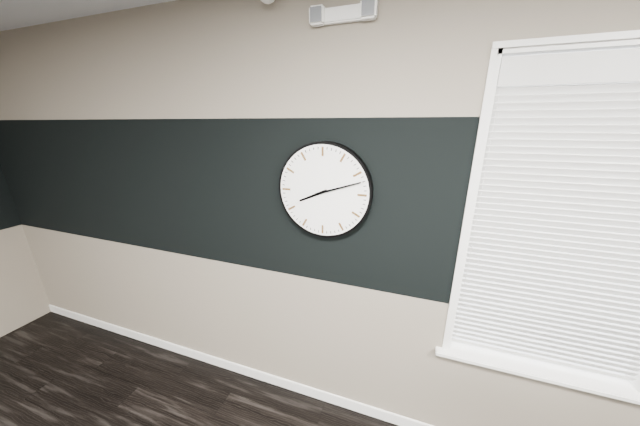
8:12
